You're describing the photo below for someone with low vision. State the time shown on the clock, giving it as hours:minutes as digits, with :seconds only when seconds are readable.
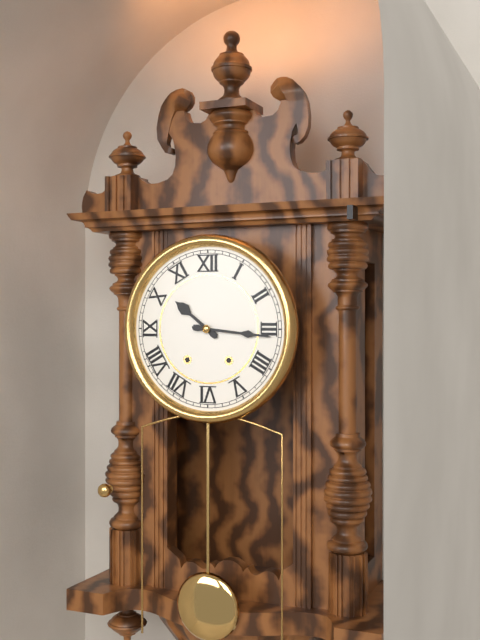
10:16
